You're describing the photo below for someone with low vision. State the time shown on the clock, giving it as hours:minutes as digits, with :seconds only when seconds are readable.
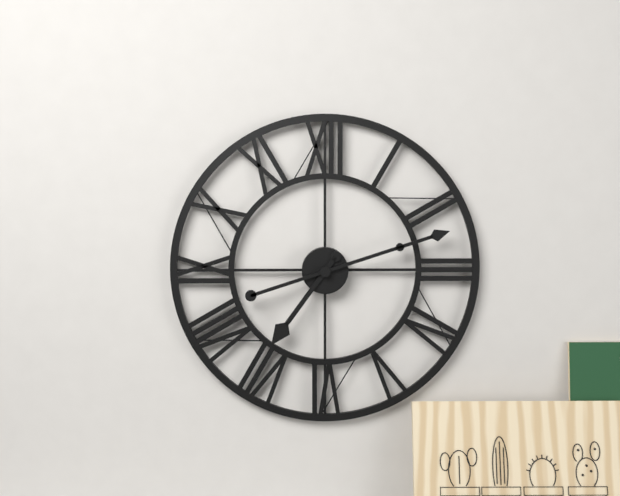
7:12
